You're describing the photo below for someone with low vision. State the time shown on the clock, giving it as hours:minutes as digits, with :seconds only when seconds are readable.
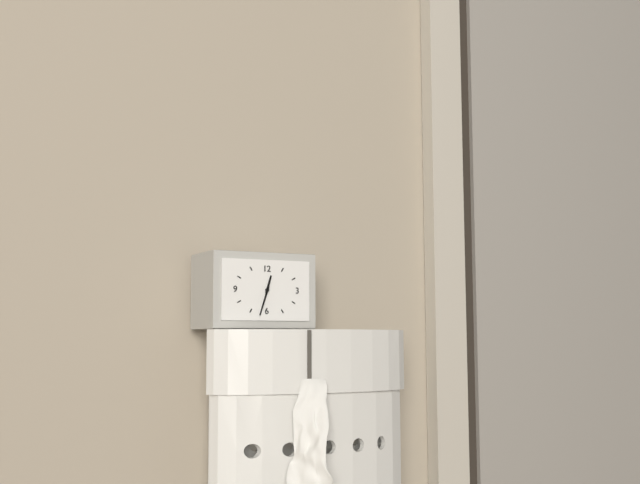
12:33
